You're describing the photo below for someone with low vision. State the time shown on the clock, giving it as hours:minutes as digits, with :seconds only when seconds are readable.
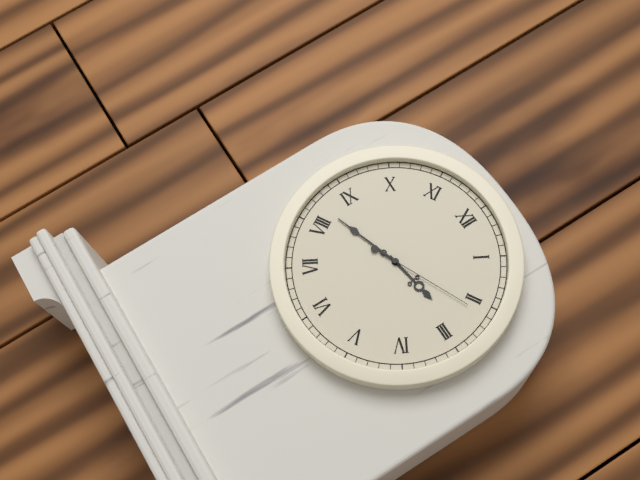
2:42:11
